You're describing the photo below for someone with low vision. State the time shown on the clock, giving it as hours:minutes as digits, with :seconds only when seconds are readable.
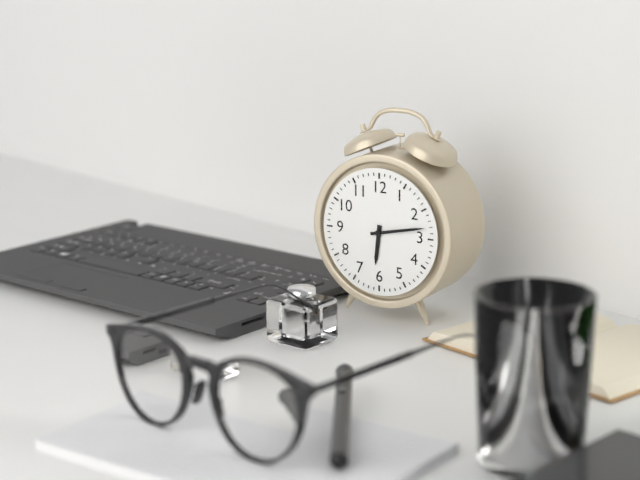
6:13
